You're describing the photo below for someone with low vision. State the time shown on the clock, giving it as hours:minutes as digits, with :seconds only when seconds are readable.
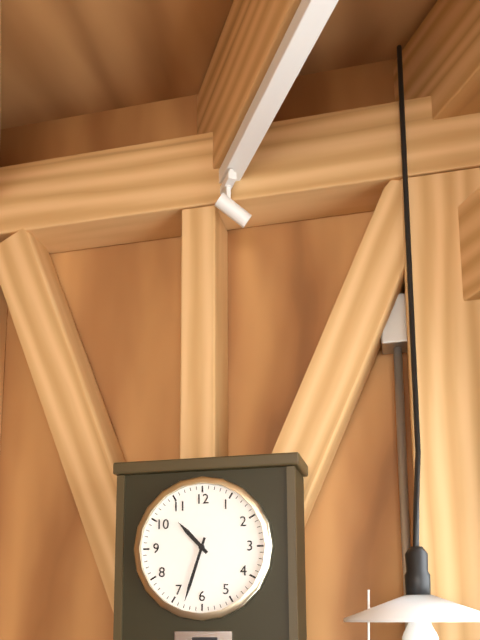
10:33
